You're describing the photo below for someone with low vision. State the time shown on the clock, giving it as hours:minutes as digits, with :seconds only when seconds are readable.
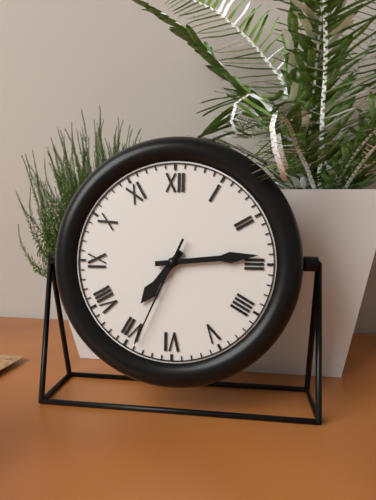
7:14:34
